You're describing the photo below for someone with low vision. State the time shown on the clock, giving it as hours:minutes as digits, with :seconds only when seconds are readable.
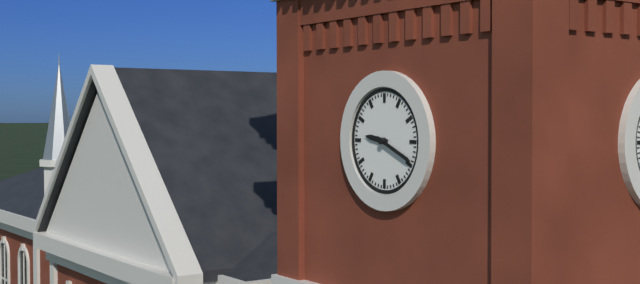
9:19
